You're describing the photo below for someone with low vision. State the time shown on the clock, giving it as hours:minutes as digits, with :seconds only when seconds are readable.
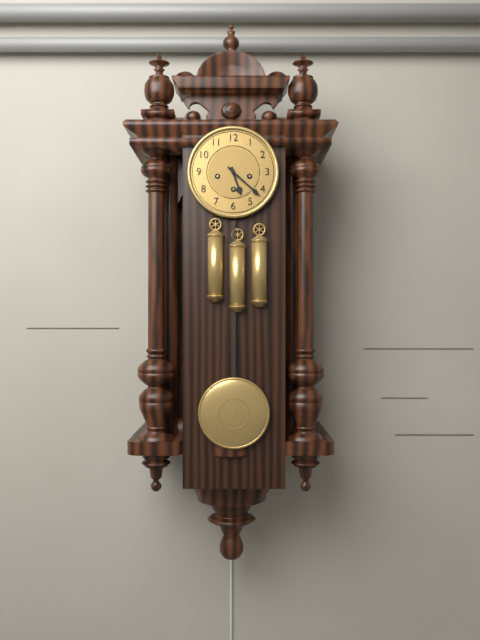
5:22
